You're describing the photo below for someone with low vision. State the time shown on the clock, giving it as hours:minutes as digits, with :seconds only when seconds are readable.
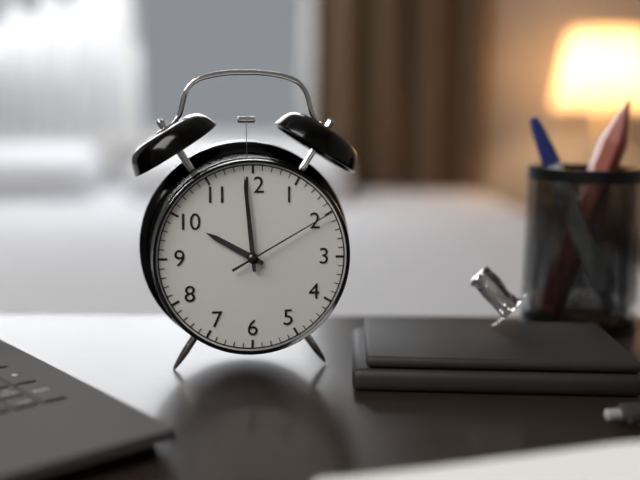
9:59:10
